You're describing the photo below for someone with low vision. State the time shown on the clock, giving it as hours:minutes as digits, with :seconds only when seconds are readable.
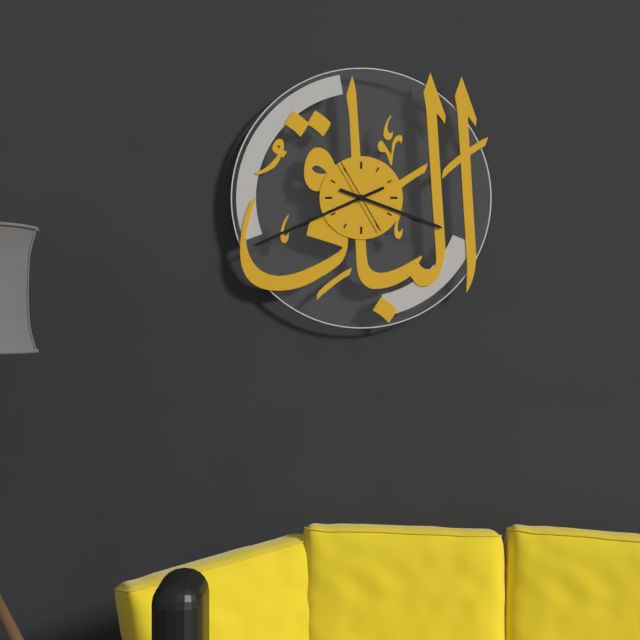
3:41:55
